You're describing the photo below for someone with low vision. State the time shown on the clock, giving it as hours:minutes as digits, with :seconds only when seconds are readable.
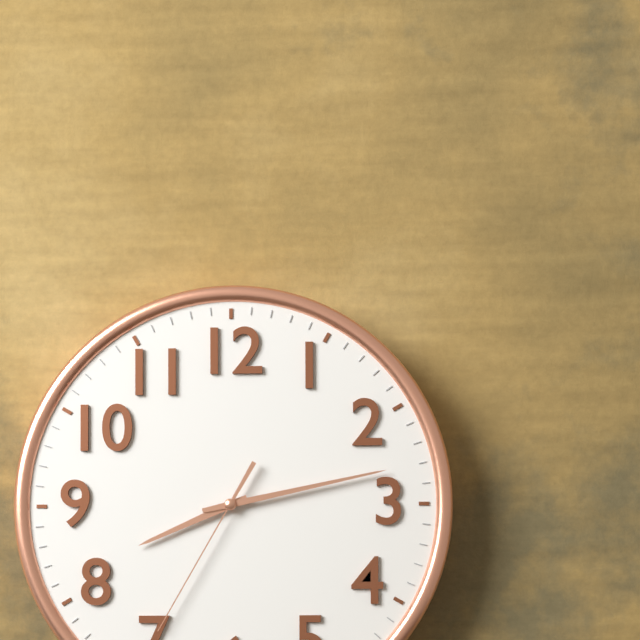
8:13:35
